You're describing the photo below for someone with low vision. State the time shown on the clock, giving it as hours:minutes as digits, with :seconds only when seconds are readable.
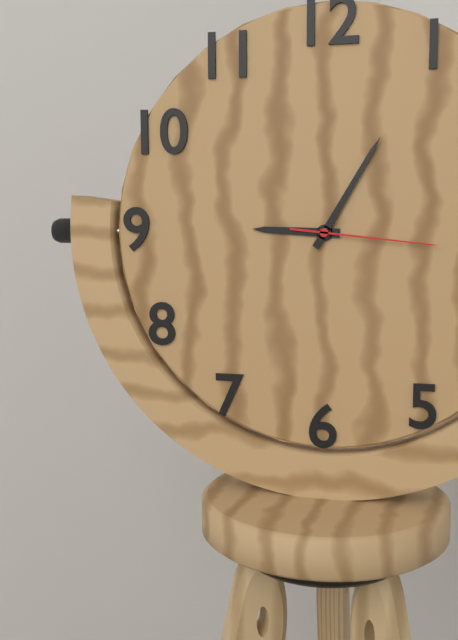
9:05:16
